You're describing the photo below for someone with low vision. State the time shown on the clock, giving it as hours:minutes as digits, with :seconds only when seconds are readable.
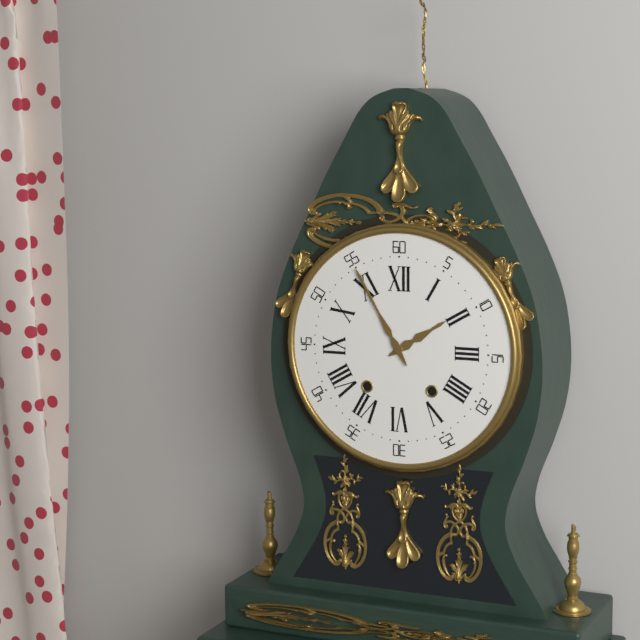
1:55
